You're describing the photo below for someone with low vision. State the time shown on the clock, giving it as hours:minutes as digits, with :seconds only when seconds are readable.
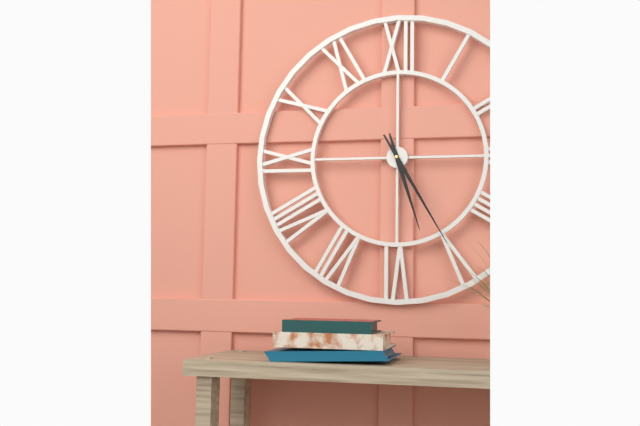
5:25
